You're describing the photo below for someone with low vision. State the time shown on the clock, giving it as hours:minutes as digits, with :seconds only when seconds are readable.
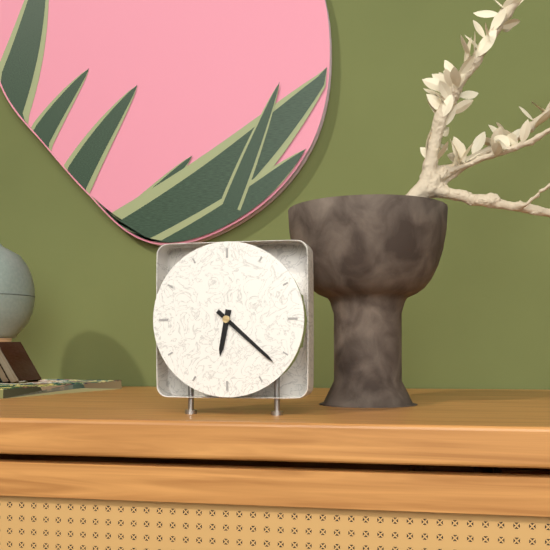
6:22
